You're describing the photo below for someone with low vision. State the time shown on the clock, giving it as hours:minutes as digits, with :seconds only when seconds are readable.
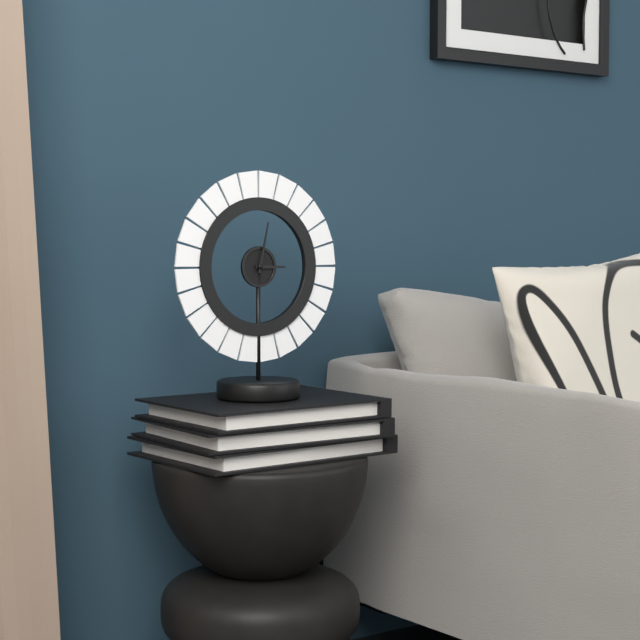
3:02
